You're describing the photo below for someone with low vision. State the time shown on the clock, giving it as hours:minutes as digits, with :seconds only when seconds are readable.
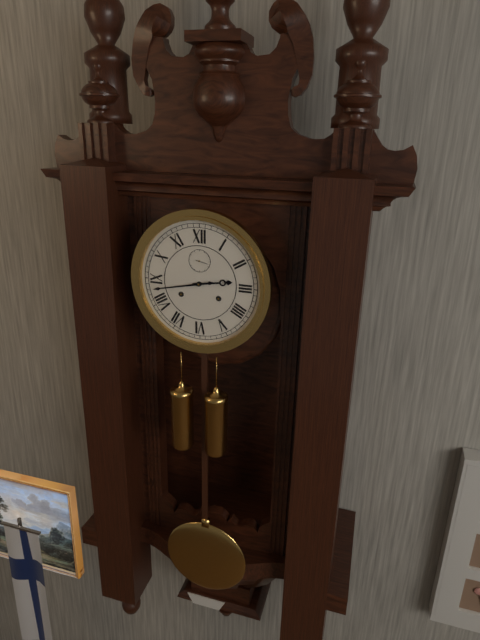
2:43
